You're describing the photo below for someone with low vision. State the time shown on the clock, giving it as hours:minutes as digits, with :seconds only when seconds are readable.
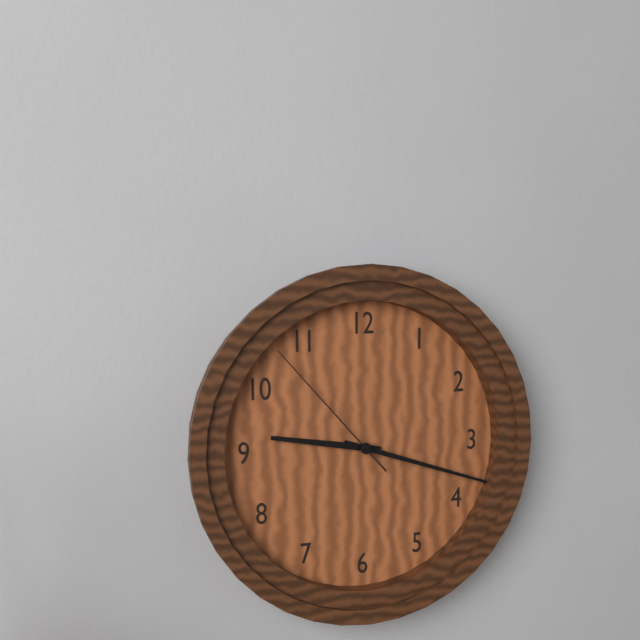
9:18:53
